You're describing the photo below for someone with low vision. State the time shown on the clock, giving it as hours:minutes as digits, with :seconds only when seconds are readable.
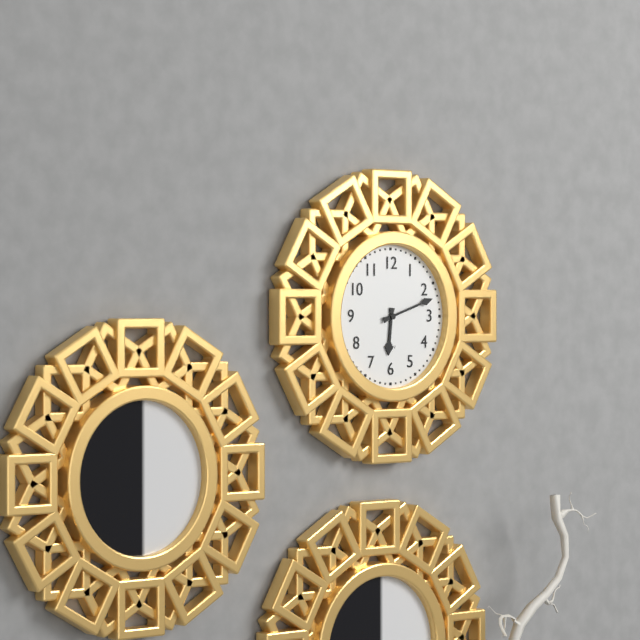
6:12
